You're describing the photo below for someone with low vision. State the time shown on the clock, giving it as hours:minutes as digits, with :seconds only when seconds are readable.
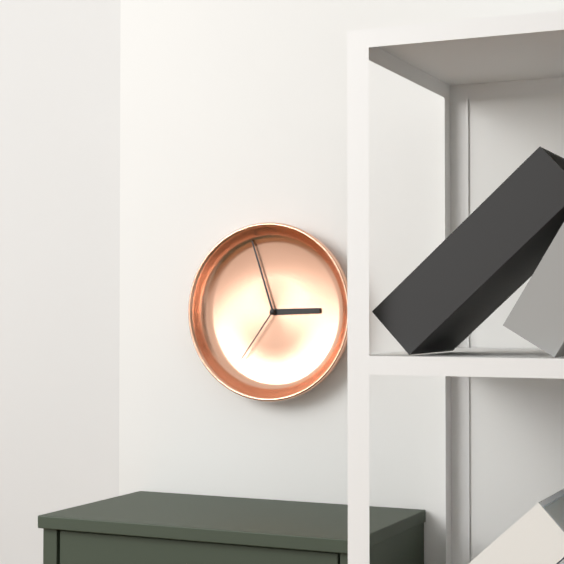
2:57:36
